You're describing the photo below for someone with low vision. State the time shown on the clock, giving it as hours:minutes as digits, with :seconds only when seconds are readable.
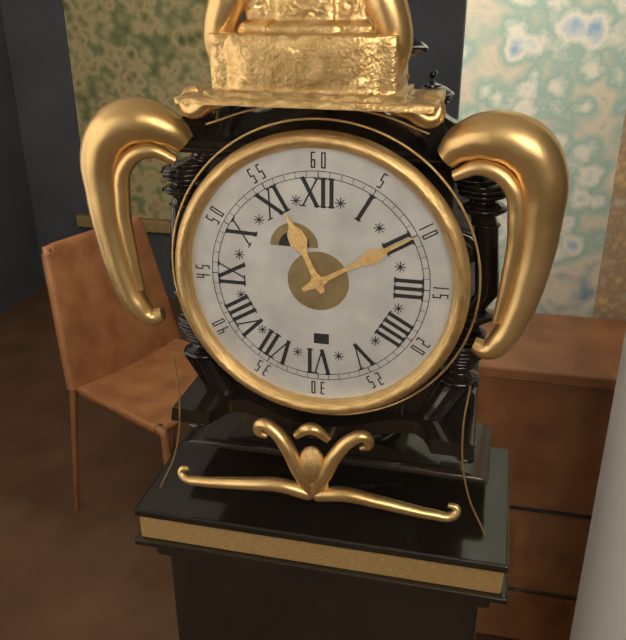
11:10
